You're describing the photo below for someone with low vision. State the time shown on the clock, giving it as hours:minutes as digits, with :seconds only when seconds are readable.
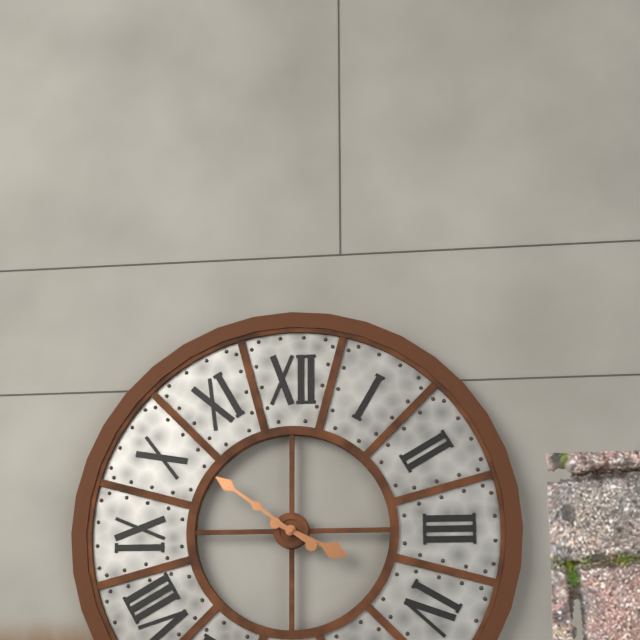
3:51
